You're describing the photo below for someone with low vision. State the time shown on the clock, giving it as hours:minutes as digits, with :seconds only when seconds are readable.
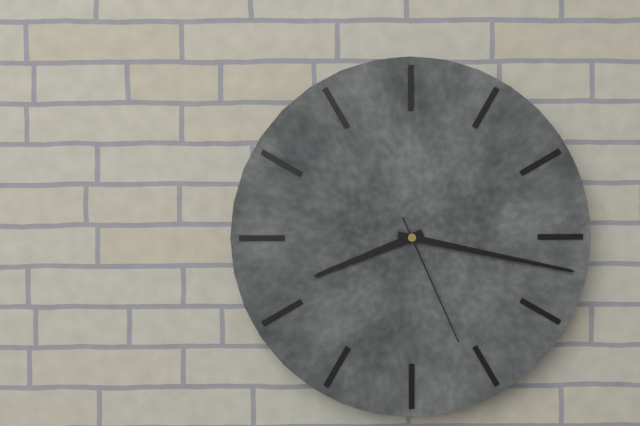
8:17:26
